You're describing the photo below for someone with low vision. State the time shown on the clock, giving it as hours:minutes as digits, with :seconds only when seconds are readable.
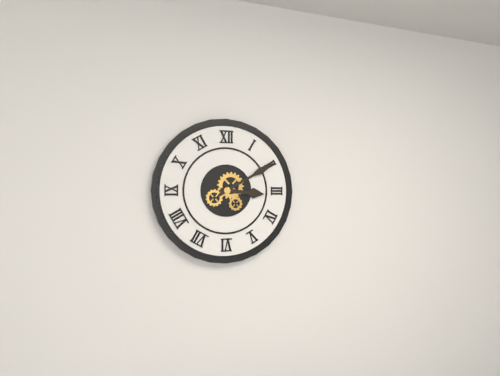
3:10
